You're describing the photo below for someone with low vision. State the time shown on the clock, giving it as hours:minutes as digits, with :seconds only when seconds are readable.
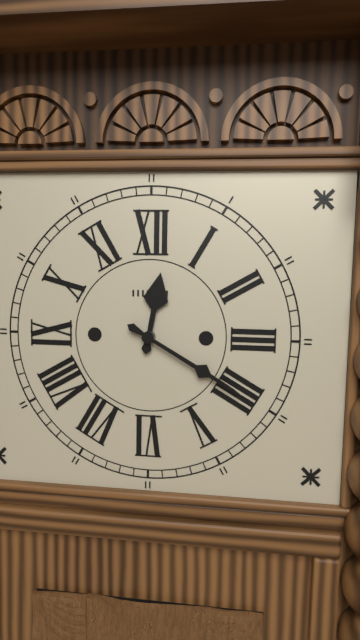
12:20
